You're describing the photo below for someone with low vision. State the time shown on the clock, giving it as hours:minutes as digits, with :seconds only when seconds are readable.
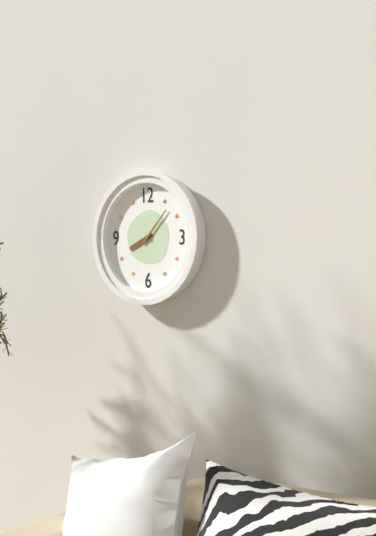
8:07
